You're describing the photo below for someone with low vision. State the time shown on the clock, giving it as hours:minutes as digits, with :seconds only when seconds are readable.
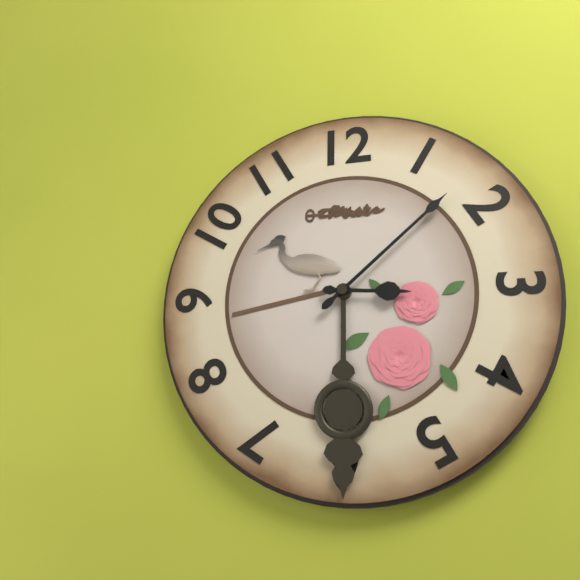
3:08
